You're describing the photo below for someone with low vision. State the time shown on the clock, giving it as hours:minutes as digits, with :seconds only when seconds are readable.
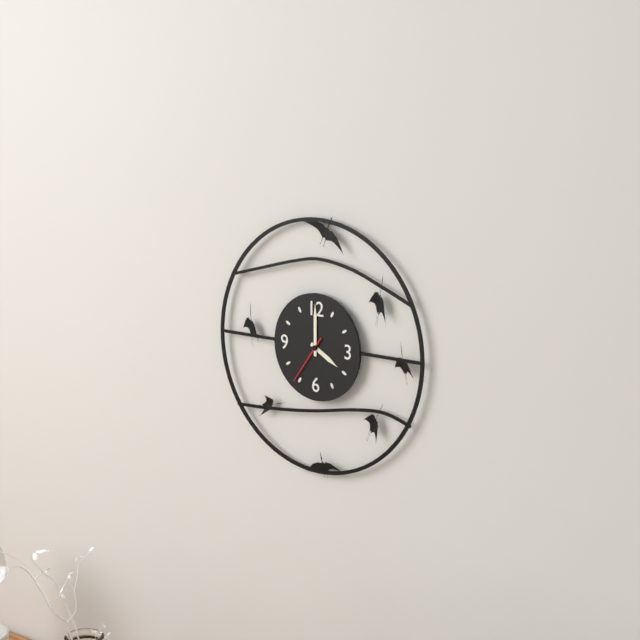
4:00:36
